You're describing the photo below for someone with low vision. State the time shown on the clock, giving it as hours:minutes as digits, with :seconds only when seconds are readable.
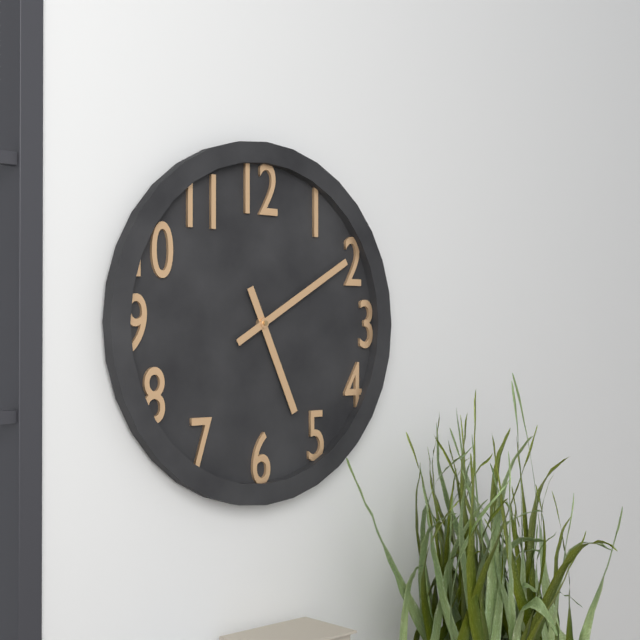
5:10
